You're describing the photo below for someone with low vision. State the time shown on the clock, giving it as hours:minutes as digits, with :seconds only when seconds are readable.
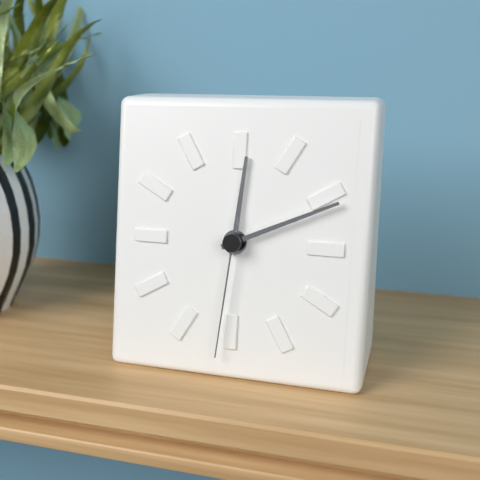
12:11:31
